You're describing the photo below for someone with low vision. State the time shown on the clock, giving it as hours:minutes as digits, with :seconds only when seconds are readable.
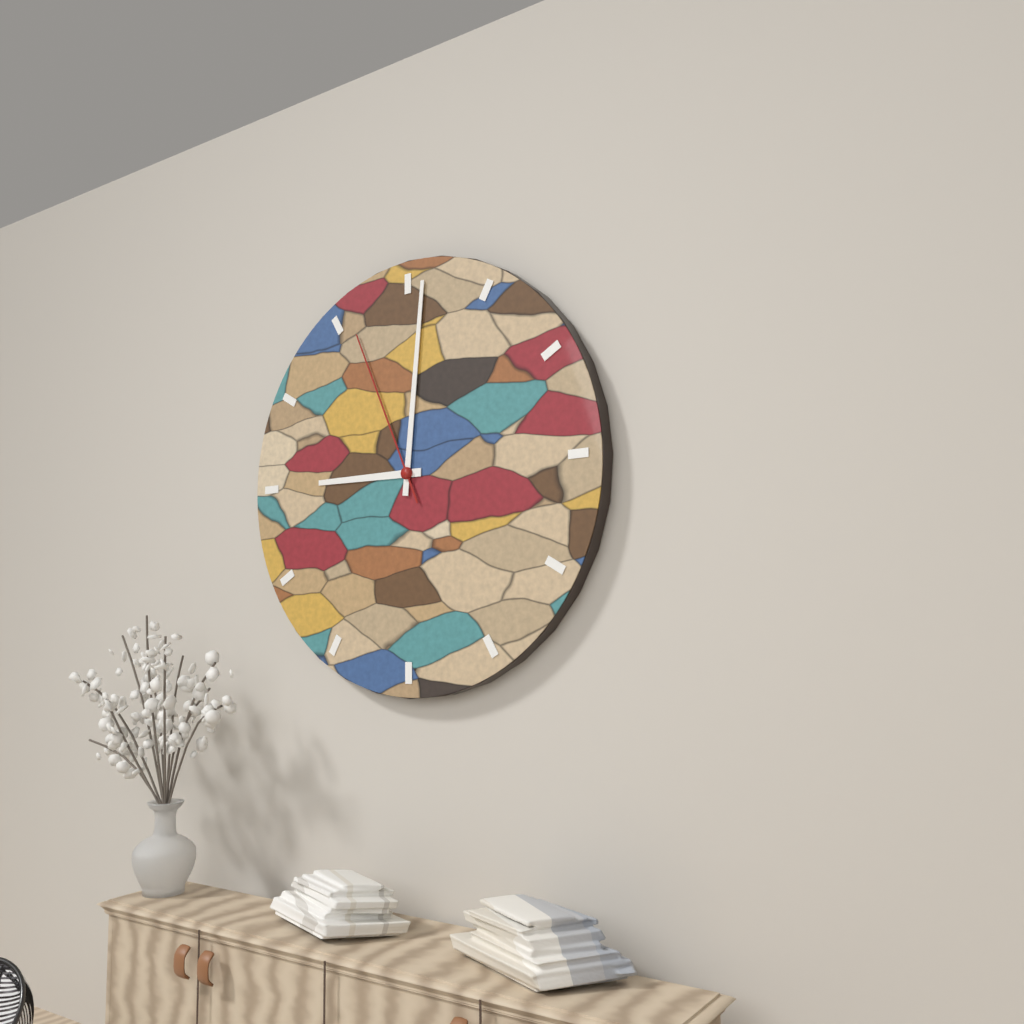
9:01:56
